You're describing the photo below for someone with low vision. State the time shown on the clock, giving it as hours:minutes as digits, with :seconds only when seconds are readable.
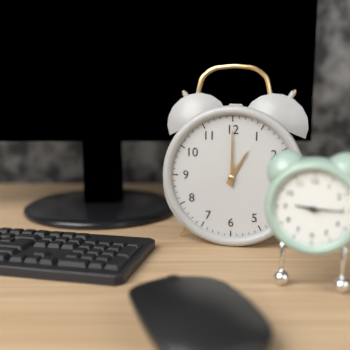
1:00
